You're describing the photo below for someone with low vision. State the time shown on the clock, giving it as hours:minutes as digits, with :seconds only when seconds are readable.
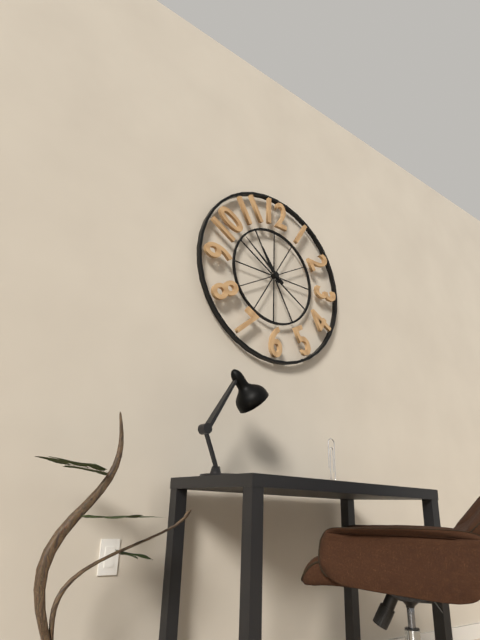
10:51
